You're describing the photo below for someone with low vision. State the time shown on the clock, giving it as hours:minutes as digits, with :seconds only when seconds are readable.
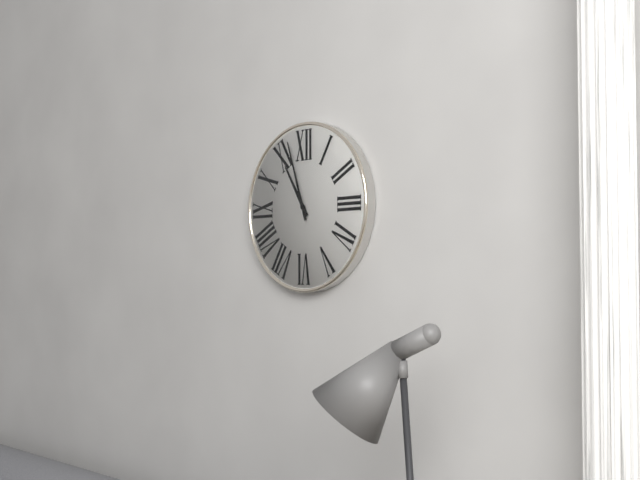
10:57
